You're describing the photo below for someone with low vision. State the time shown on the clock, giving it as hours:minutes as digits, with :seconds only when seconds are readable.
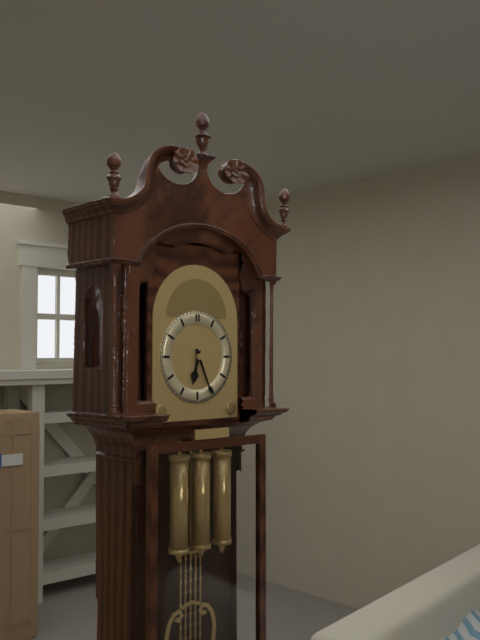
6:26
